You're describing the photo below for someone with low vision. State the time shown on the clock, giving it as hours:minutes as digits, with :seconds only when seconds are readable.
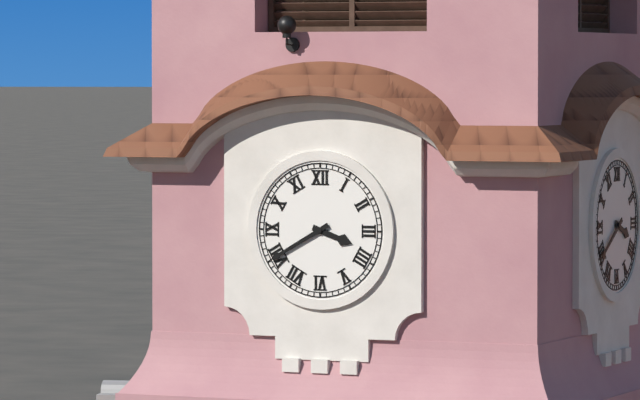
3:40
